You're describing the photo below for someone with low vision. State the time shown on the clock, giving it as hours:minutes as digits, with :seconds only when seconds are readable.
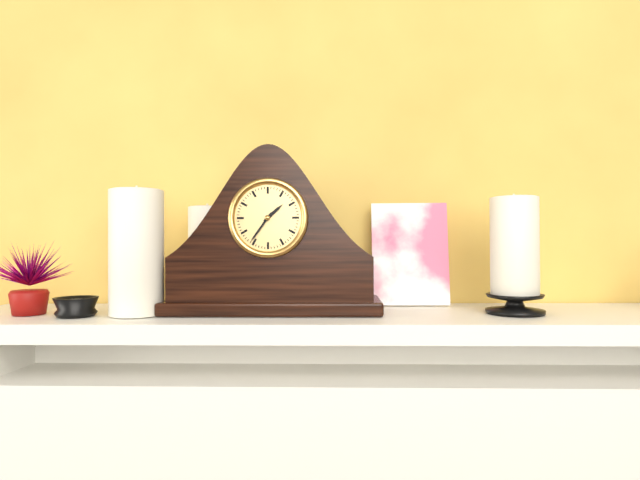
1:36
